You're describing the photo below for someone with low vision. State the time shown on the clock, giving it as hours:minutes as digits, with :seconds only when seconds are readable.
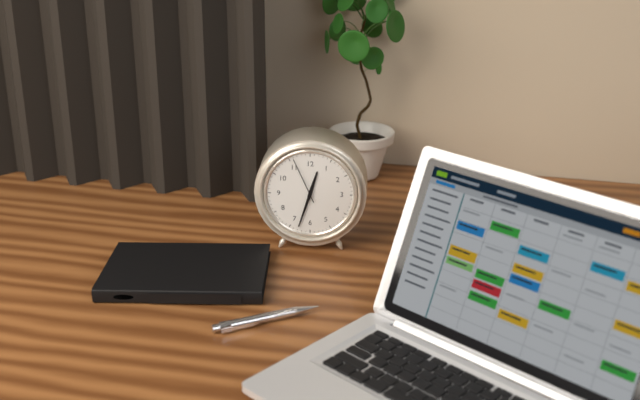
12:33
